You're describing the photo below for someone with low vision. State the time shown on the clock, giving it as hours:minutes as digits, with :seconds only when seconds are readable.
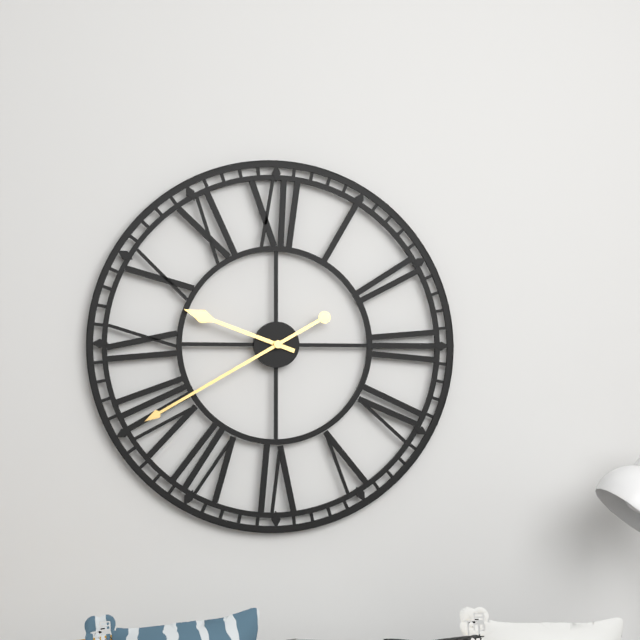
9:40
